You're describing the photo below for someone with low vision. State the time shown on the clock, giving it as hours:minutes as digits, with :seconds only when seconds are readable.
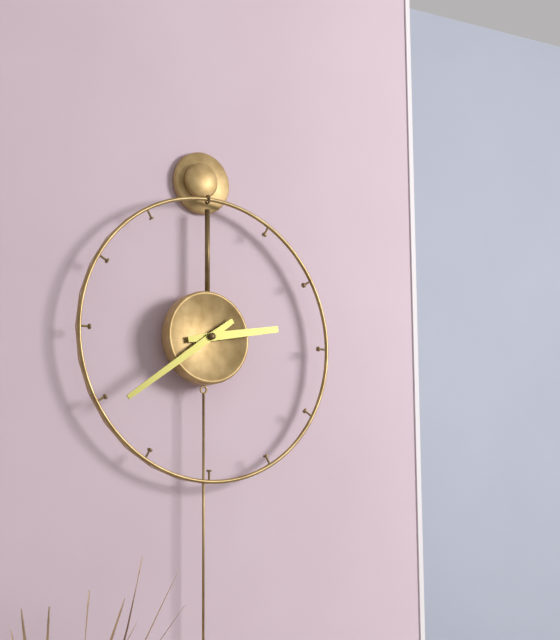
2:39
